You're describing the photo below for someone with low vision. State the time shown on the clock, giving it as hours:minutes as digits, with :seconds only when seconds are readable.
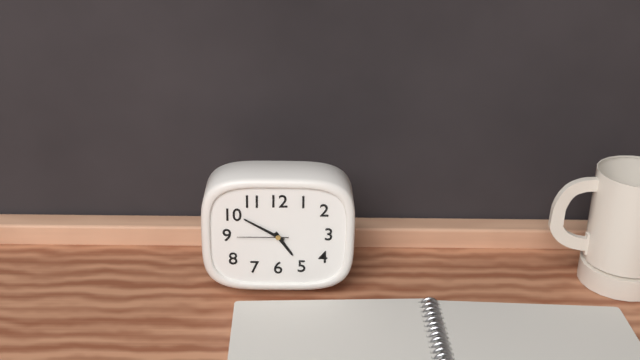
4:50:45
